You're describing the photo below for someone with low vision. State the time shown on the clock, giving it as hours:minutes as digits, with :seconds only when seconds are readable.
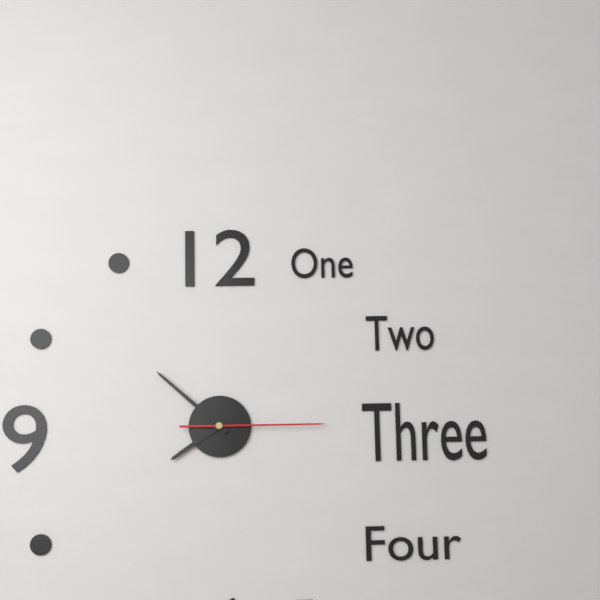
7:52:15
